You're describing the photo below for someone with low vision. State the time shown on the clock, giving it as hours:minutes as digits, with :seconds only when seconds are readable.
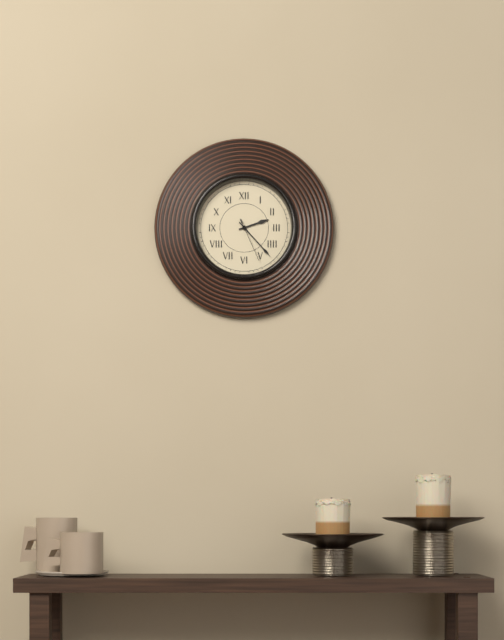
2:23
